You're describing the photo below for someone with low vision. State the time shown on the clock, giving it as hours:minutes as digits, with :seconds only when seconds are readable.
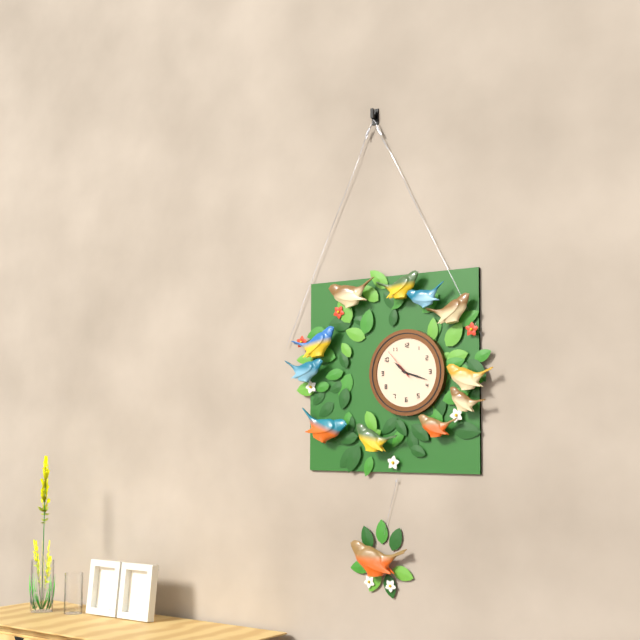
10:18
